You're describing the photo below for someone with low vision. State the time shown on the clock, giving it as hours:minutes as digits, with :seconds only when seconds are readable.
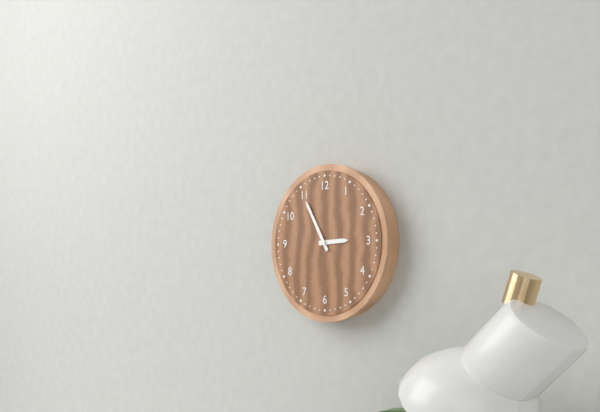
2:55
